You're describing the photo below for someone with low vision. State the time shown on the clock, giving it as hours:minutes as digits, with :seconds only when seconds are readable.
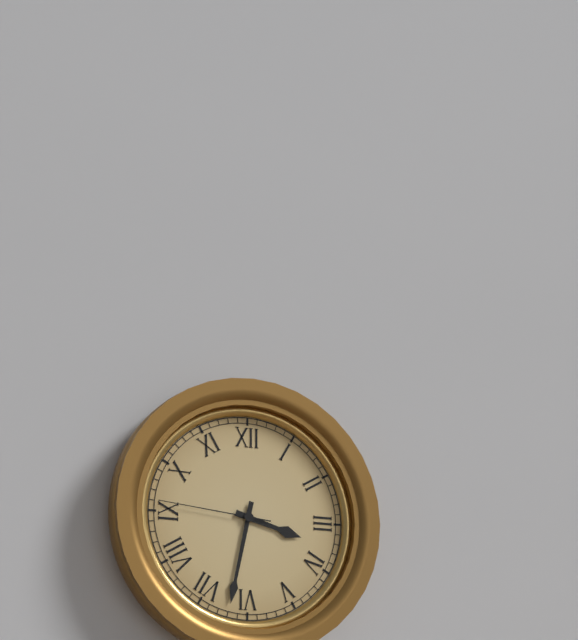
3:32:46
